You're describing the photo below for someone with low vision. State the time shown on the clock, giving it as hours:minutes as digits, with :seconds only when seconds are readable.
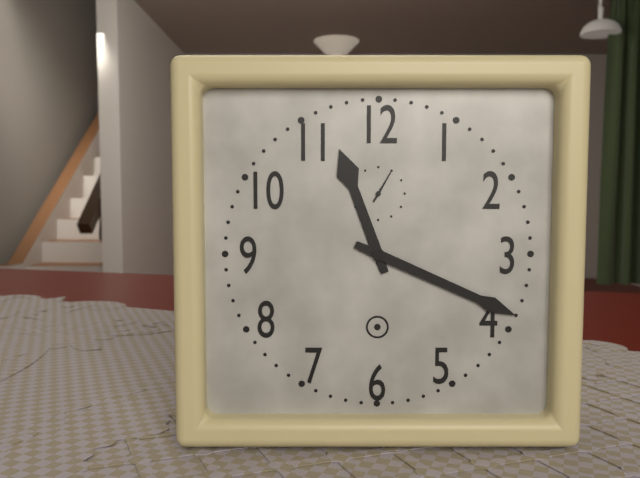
11:19
